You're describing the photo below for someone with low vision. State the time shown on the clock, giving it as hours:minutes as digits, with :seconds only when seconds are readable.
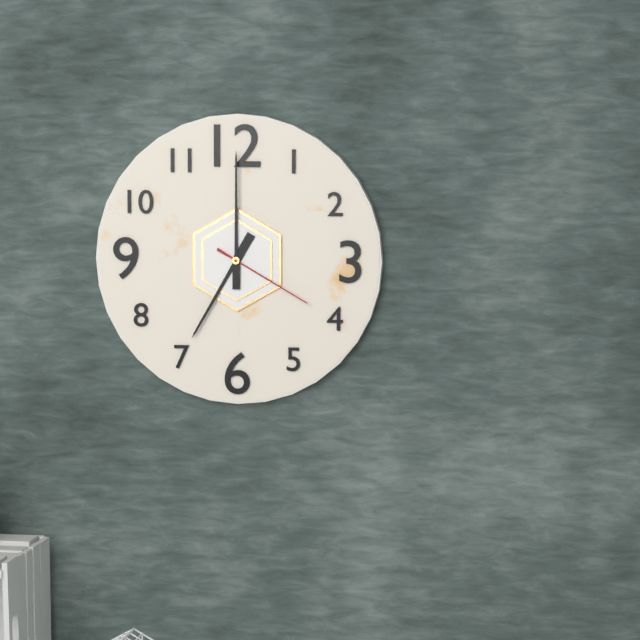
7:00:20
